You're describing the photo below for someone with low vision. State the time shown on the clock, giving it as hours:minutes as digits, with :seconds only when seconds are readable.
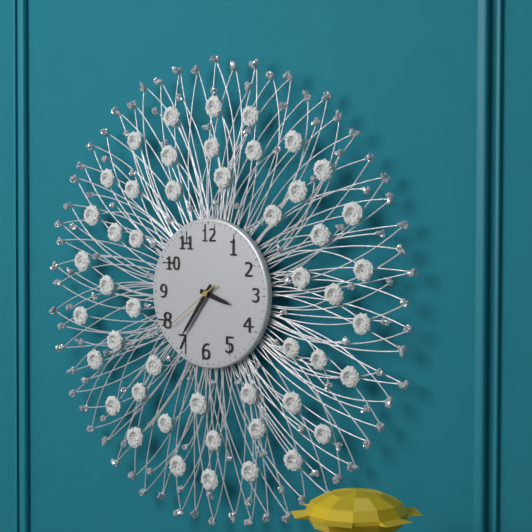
3:36:39
